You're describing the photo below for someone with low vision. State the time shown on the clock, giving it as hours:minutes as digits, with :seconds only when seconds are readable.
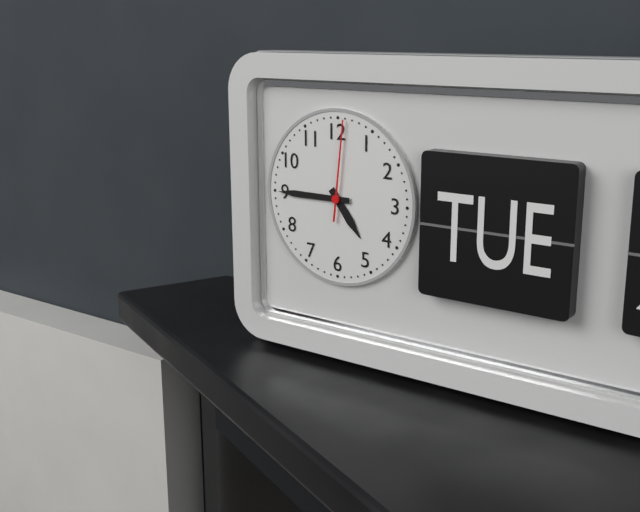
4:45:01
